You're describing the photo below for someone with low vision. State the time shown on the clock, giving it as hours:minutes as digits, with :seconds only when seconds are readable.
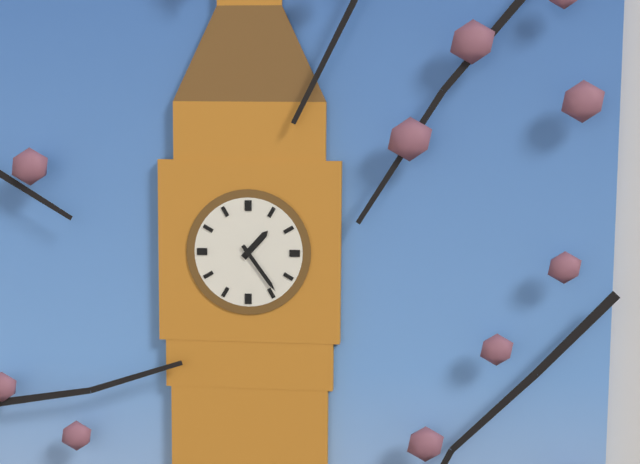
1:24
